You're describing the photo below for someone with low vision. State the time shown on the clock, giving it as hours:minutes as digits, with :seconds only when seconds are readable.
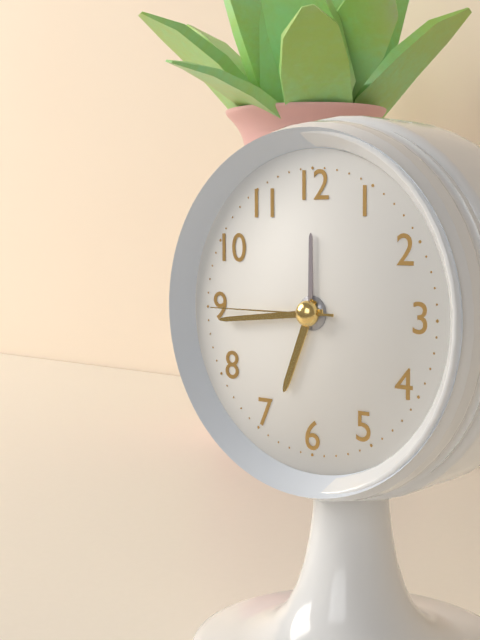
6:44:45
